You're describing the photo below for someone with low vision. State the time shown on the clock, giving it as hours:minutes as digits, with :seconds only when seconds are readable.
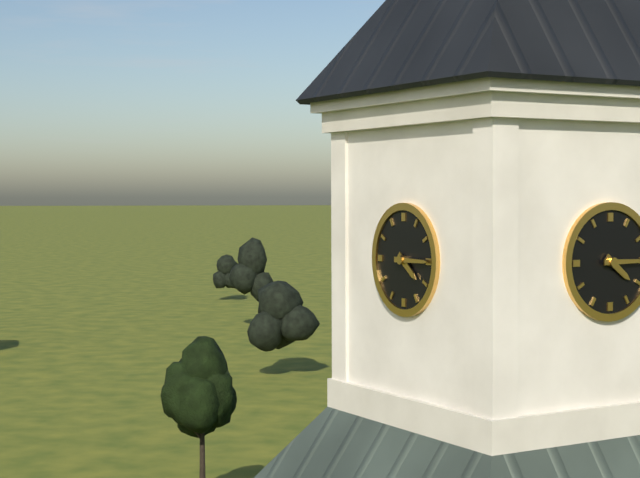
4:15
